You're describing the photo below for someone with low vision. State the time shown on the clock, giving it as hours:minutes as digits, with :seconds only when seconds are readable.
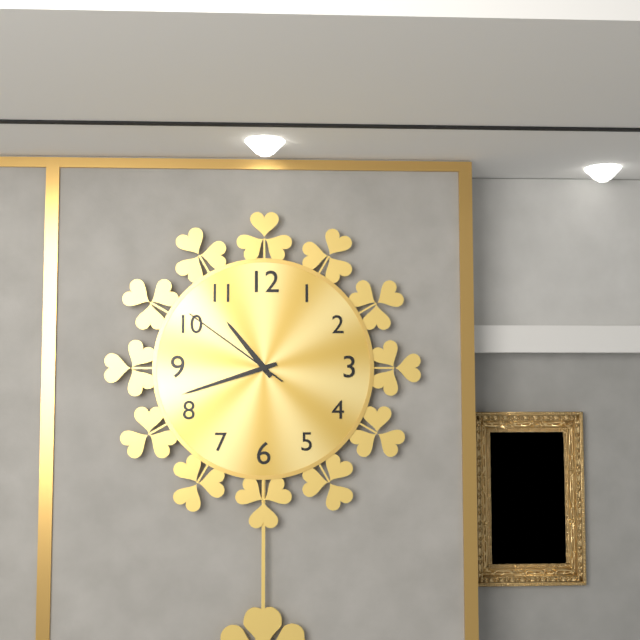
10:42:51
